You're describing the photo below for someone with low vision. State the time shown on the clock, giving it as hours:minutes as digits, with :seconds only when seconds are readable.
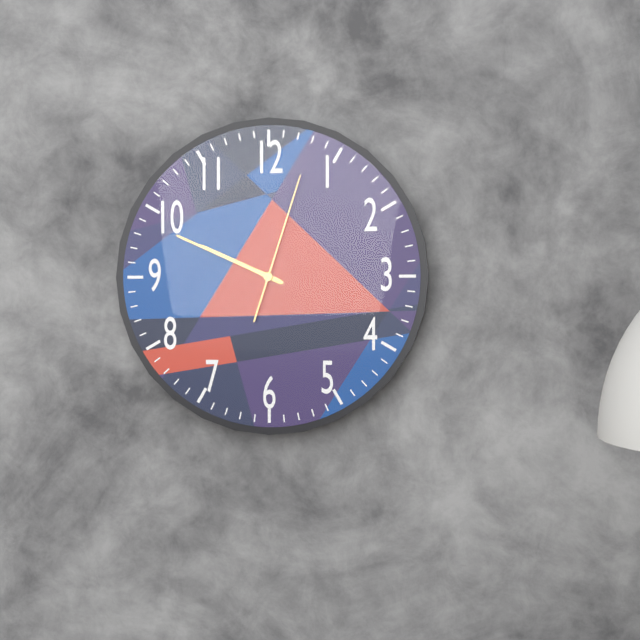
9:49:03
